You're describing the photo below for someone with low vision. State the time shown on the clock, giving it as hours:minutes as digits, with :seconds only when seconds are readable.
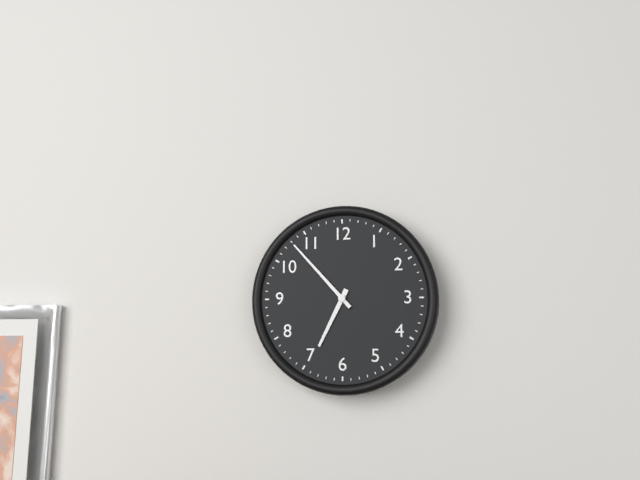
6:53
